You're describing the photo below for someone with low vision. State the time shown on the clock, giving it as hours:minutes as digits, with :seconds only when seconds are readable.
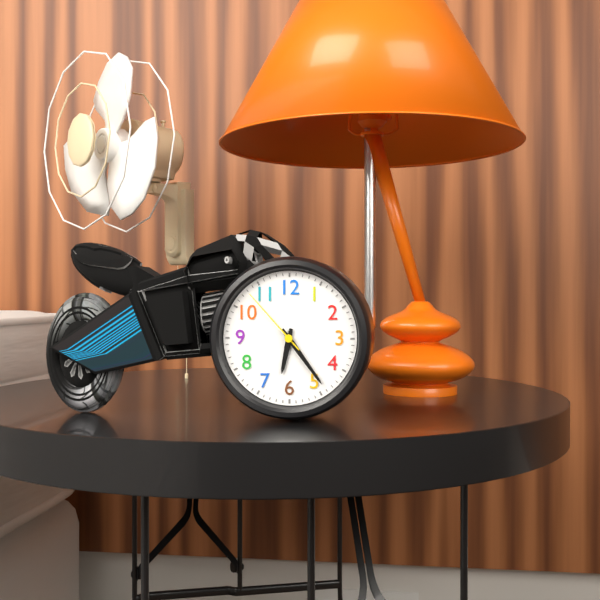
6:24:53
